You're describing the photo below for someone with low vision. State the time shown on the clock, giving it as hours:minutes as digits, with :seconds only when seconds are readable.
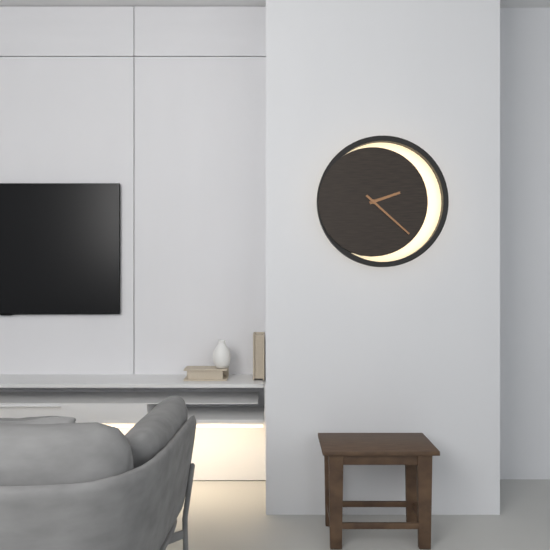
2:22
